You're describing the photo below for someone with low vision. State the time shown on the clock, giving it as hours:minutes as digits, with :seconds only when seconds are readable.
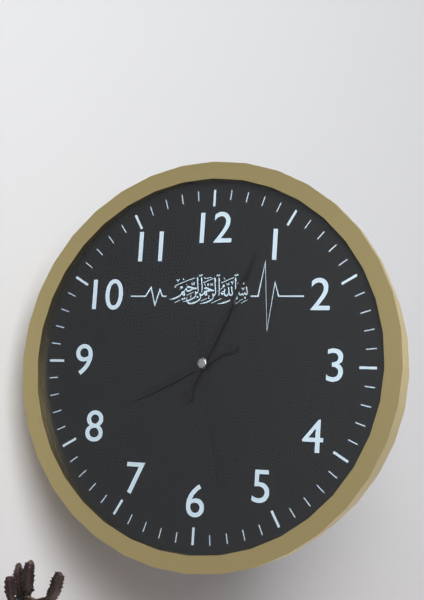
8:04:28
